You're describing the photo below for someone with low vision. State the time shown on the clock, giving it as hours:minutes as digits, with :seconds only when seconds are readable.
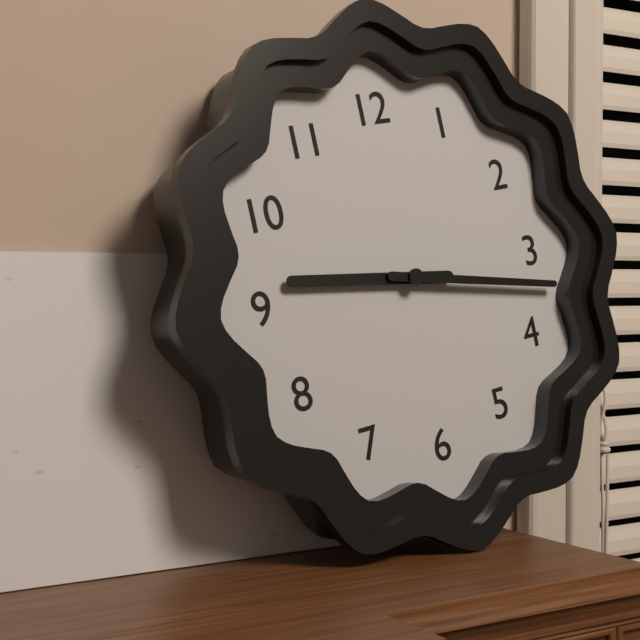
9:17
